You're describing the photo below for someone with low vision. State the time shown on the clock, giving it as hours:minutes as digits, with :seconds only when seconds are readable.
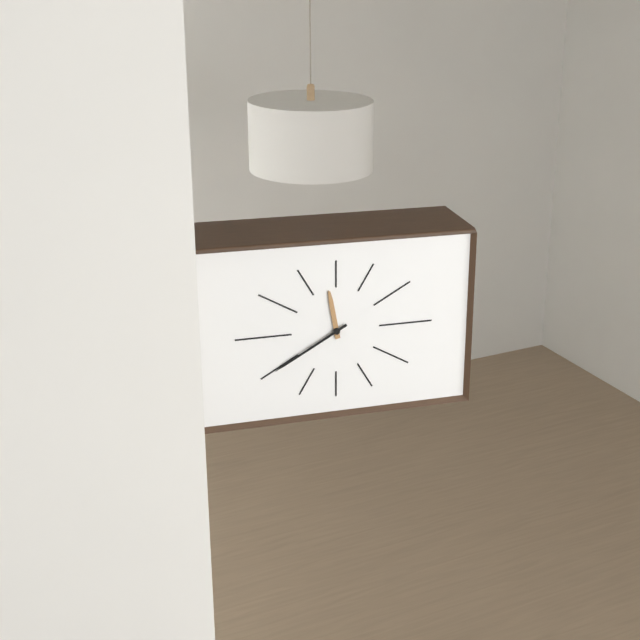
11:40
